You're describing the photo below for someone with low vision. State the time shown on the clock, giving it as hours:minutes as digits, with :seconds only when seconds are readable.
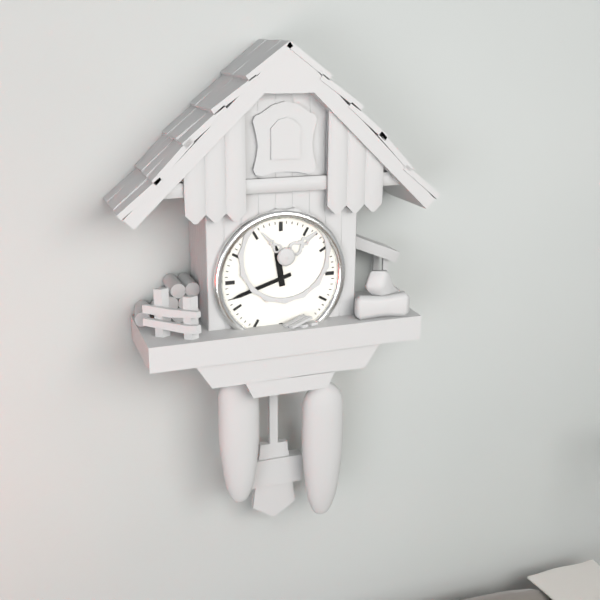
11:42
